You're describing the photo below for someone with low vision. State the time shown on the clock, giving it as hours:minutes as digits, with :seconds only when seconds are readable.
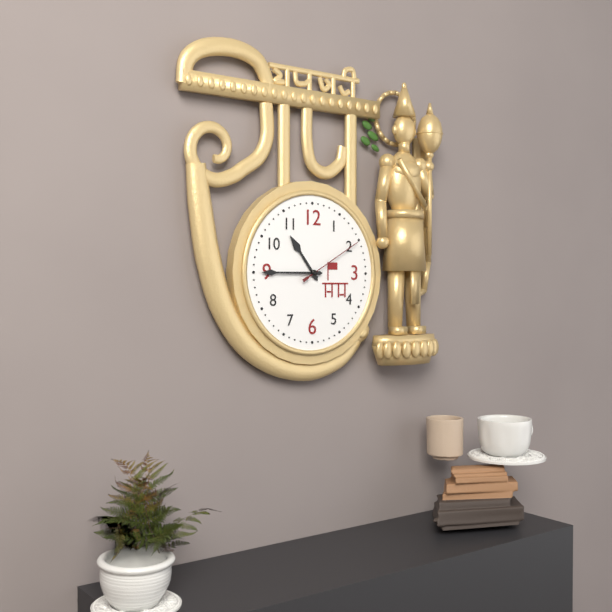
10:45:10
